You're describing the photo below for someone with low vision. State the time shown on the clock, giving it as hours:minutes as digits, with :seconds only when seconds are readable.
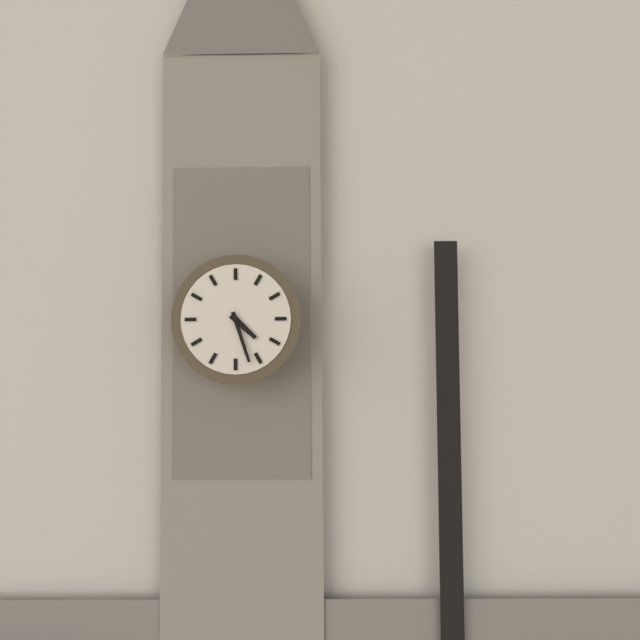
4:27
